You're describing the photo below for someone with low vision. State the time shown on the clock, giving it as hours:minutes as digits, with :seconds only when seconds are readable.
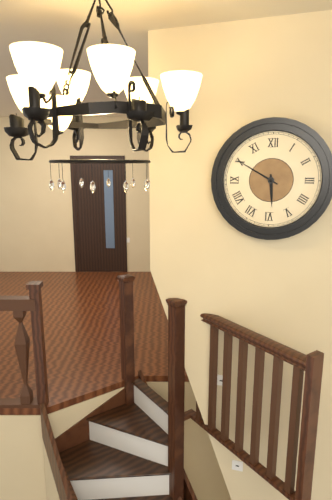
5:50
